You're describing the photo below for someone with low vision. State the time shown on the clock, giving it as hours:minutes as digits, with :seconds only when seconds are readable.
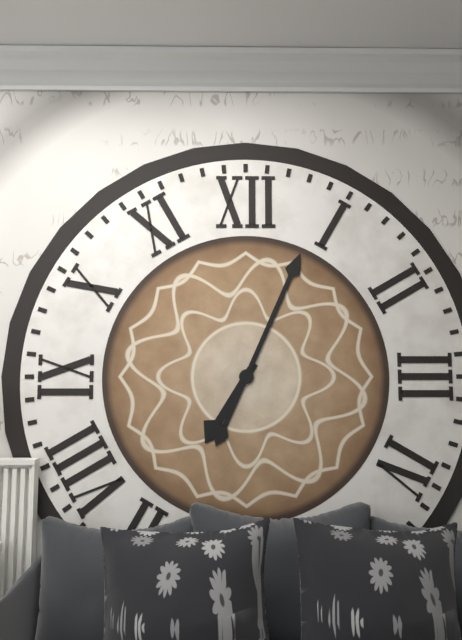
7:04
